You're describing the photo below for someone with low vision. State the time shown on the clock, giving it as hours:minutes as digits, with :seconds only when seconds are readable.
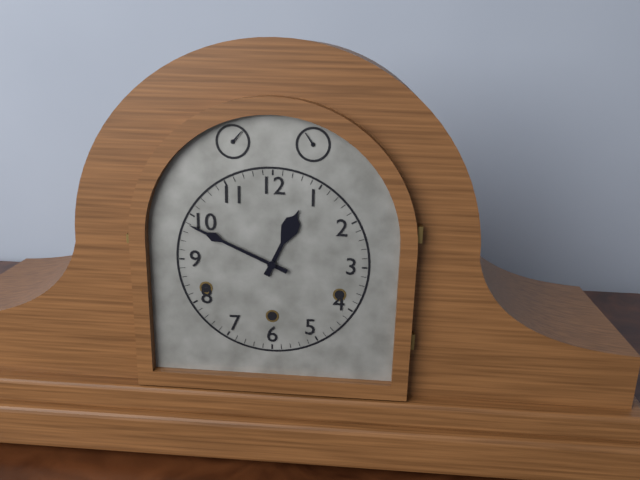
12:49
